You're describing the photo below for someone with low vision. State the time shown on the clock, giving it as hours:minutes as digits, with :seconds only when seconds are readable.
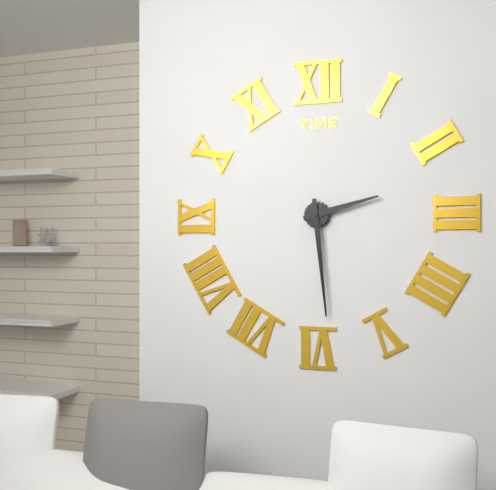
2:29
